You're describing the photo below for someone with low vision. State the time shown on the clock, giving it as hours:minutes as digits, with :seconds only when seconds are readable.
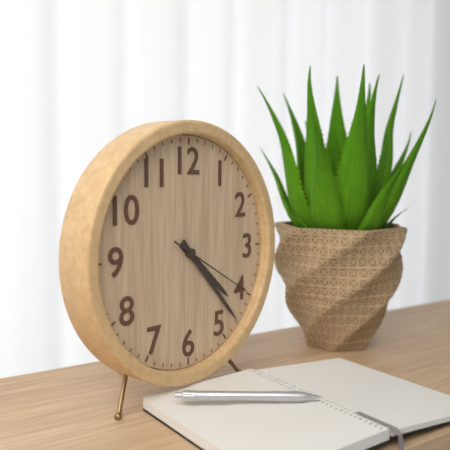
4:23:20
